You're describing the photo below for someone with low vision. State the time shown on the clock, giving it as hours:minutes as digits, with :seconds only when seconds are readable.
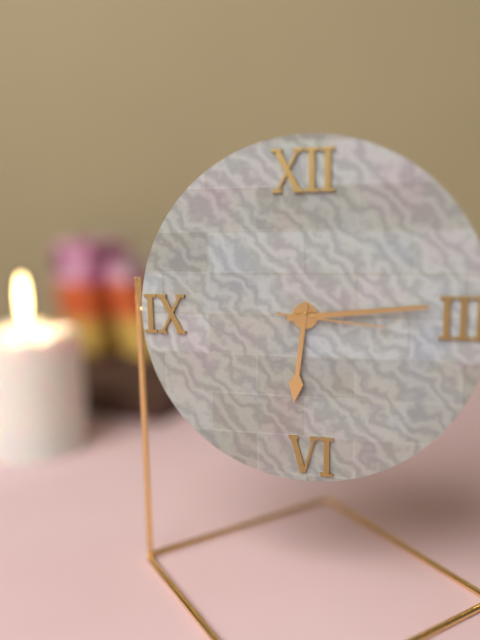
6:14:16
